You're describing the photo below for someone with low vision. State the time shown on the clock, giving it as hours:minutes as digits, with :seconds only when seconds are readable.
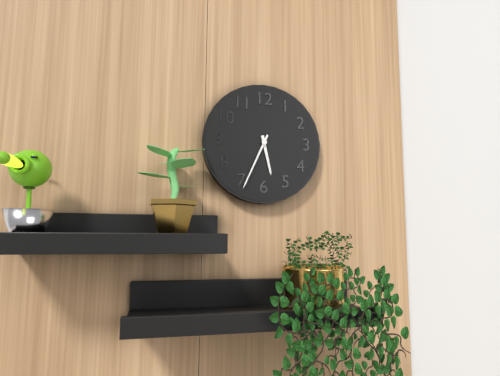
5:34
